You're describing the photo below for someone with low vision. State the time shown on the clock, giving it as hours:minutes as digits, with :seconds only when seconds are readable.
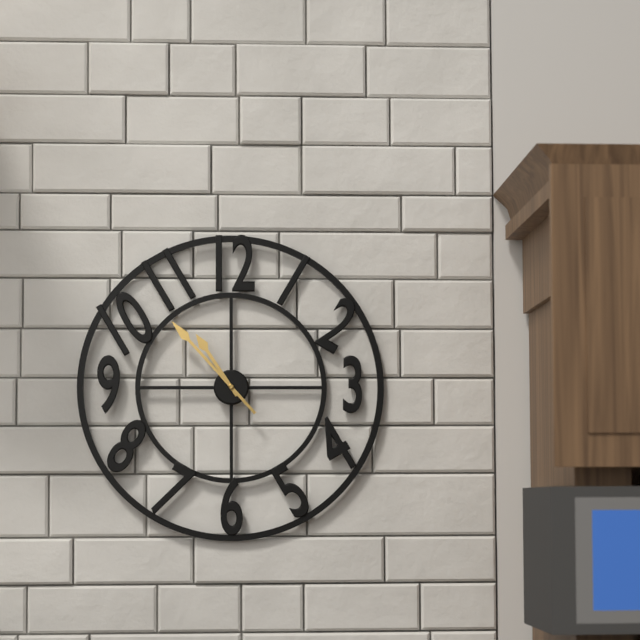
10:53
